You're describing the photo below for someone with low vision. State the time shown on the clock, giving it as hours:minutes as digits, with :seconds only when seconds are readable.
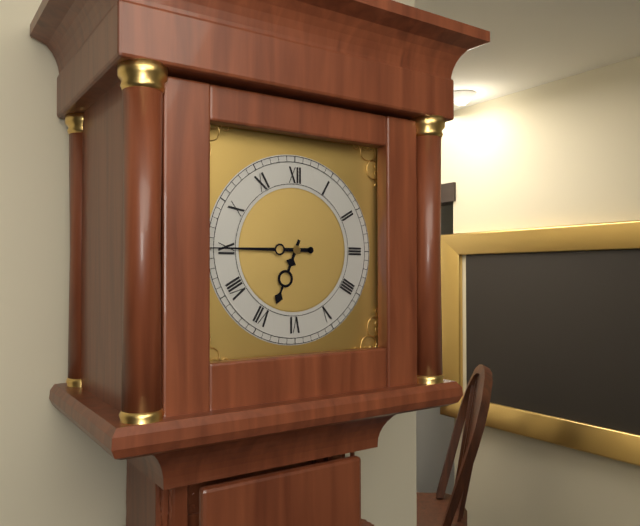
6:45
